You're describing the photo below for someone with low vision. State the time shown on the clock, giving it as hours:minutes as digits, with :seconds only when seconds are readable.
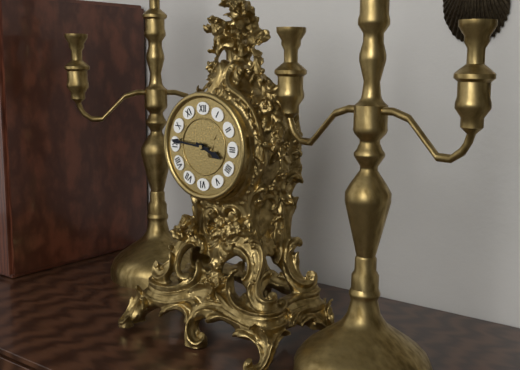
3:46
